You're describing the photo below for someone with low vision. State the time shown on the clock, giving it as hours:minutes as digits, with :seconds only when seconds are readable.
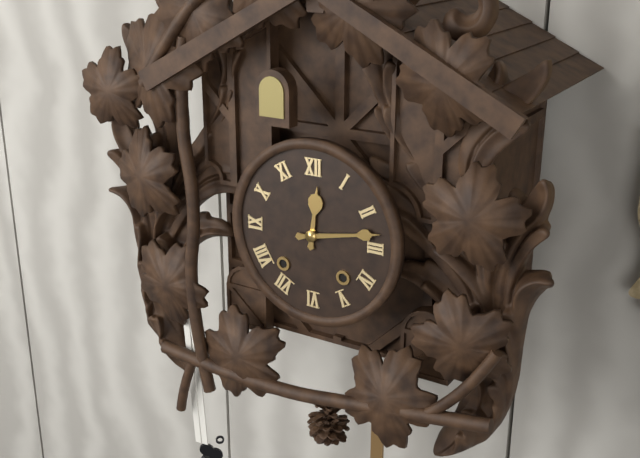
12:13
